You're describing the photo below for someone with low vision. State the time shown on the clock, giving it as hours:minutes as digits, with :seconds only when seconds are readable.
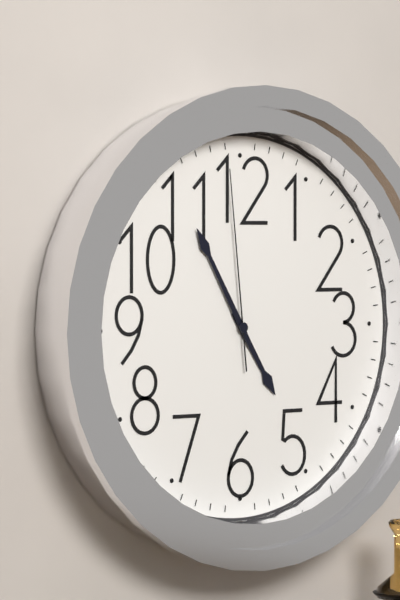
4:55:59
